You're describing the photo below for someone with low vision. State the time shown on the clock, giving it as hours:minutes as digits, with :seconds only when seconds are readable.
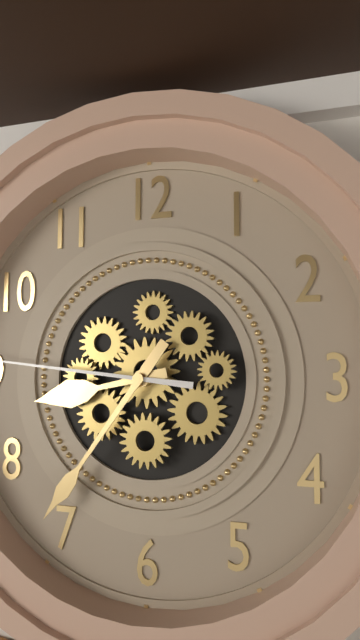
8:36
